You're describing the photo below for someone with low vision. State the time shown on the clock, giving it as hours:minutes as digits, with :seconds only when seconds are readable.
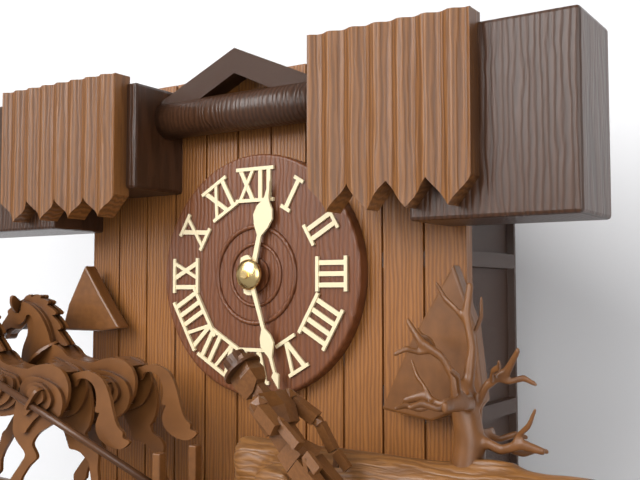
12:27
